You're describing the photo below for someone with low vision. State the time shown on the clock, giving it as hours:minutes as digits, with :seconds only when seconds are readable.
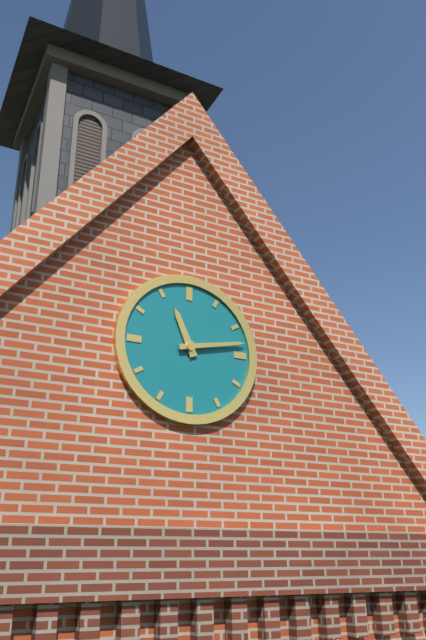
11:13
